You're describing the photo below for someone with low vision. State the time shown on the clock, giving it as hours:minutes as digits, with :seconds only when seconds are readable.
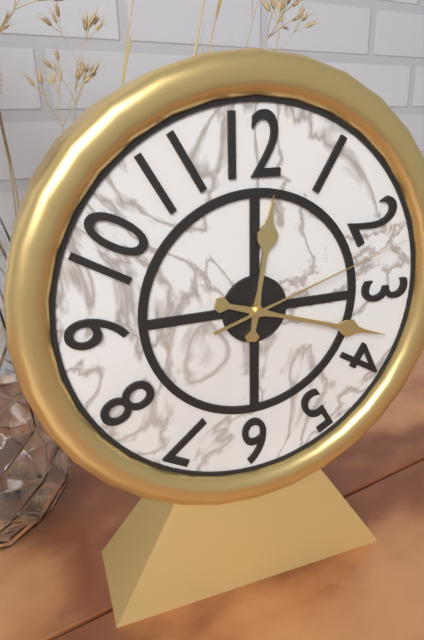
12:18:12
